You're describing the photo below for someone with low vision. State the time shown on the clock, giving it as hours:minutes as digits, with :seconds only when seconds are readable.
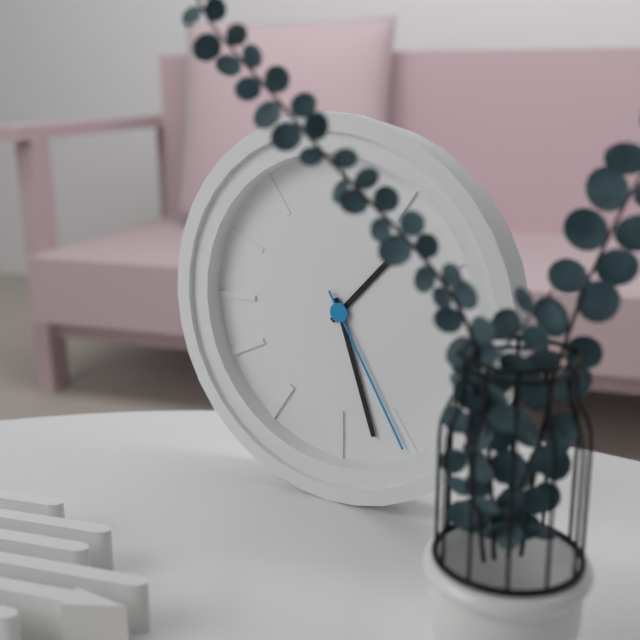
1:27:25
